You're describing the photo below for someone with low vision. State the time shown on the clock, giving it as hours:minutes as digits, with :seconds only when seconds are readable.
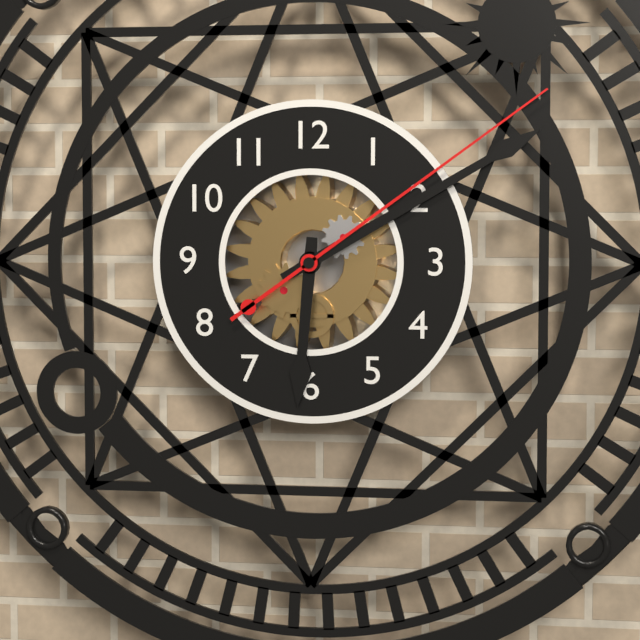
6:10:09
